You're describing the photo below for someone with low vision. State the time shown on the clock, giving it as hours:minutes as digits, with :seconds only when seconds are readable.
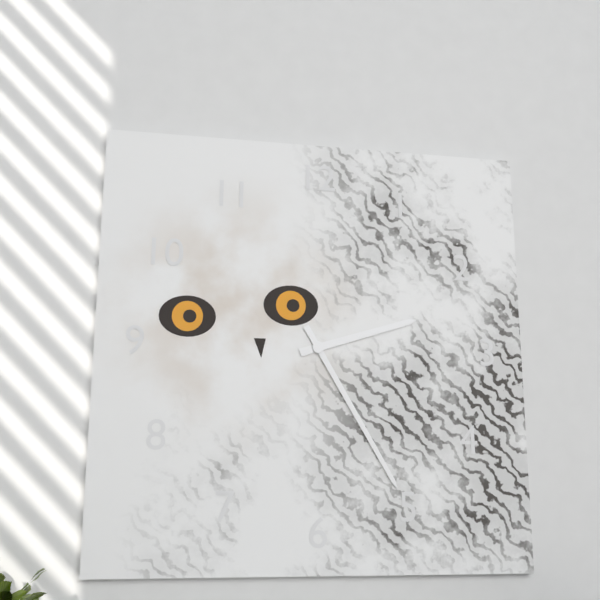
2:25
